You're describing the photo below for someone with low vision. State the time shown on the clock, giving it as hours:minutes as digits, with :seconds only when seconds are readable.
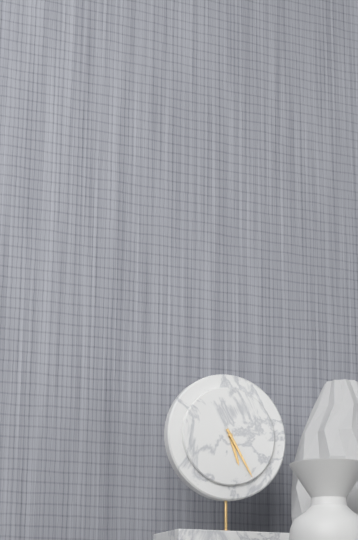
5:25
